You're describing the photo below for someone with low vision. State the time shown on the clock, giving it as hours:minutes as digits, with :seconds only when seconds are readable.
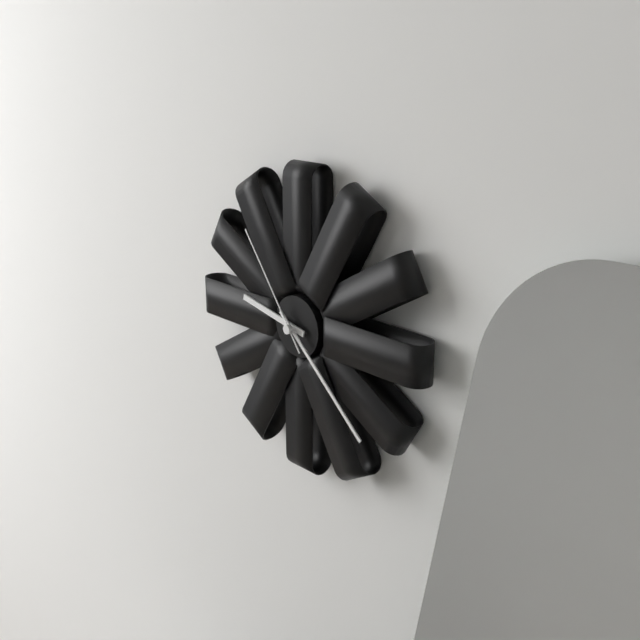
9:22:54
